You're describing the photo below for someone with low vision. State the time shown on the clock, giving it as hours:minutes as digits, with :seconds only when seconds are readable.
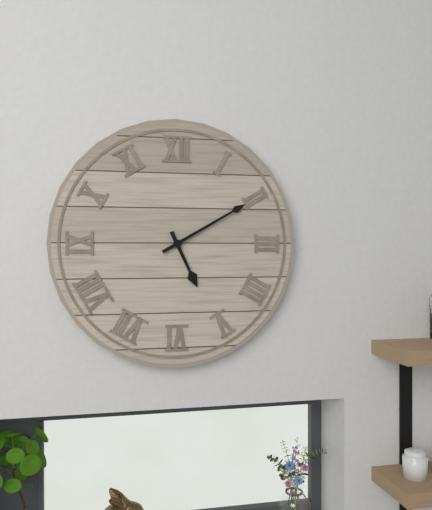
5:10
